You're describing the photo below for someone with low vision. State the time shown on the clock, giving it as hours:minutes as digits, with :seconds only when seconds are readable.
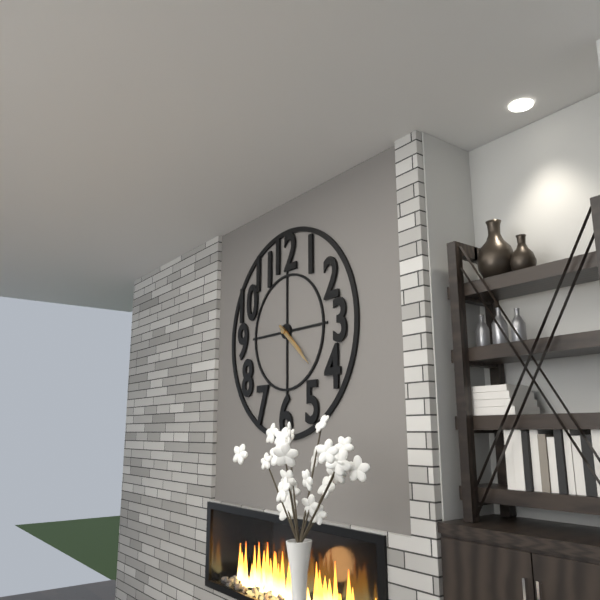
4:22
